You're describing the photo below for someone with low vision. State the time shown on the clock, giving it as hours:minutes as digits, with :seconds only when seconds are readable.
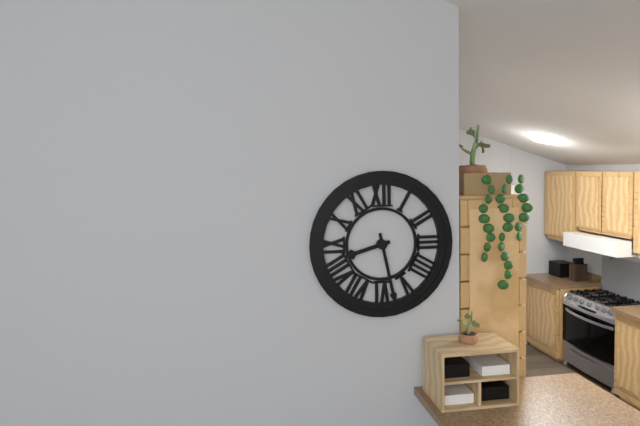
8:28
